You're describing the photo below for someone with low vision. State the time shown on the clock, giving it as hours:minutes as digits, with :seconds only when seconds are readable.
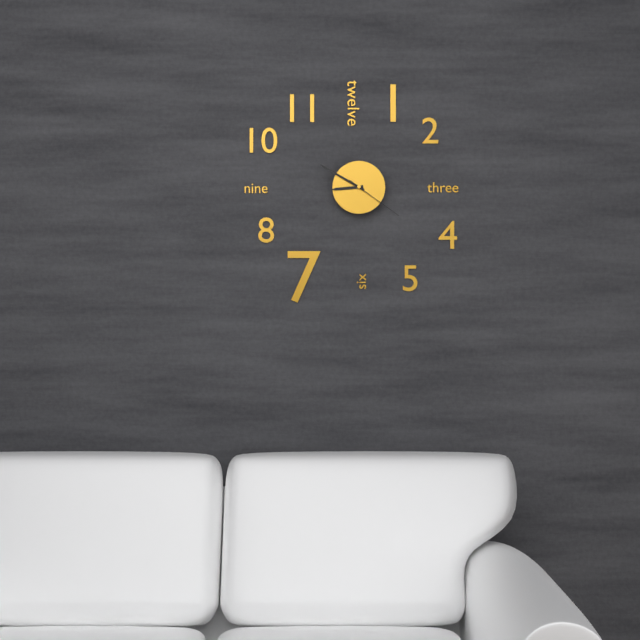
8:50:21
